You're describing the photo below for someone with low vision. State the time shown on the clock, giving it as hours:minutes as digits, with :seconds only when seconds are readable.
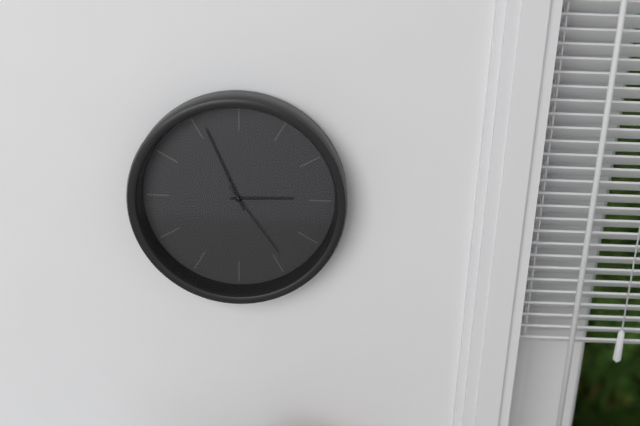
2:56:24
